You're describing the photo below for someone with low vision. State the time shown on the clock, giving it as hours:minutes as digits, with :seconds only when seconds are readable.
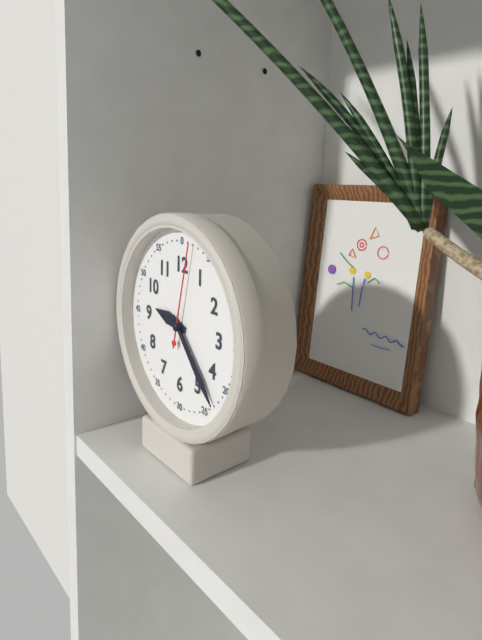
9:23:02
